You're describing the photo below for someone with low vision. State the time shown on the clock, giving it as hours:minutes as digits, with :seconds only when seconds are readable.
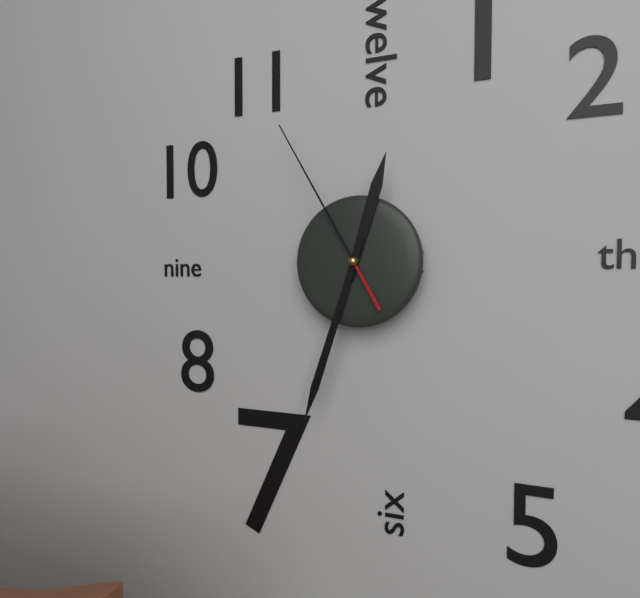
12:33:55
